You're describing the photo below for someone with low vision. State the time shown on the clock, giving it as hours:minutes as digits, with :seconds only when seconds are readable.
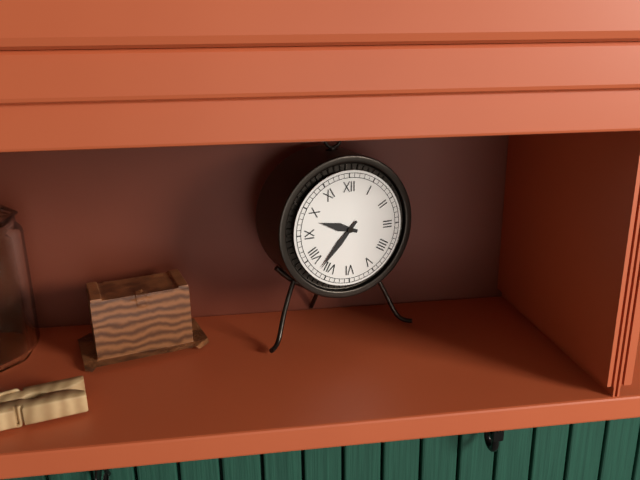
9:37
